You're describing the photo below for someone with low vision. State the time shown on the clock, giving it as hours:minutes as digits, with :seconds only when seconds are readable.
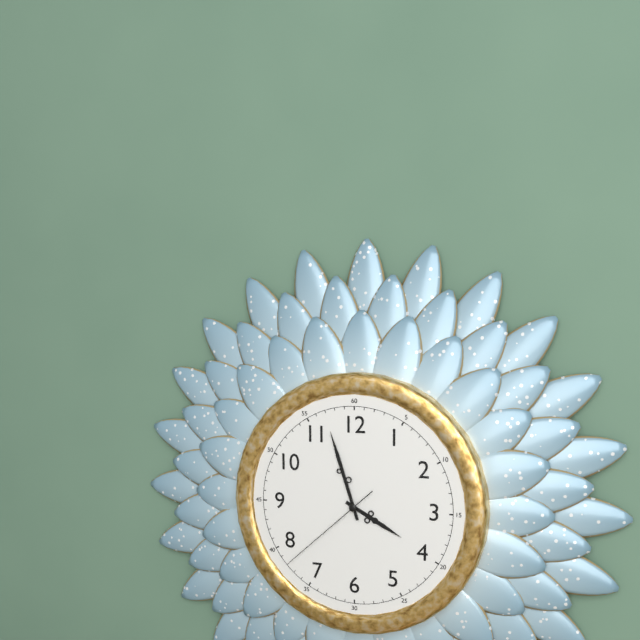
3:57:38
